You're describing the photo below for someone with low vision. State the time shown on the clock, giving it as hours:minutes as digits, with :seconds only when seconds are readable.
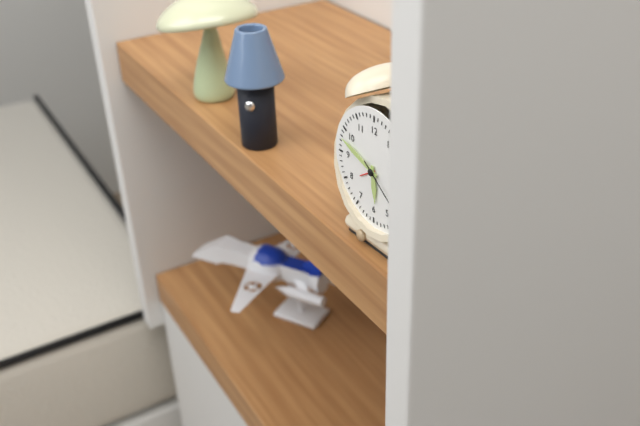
5:48
